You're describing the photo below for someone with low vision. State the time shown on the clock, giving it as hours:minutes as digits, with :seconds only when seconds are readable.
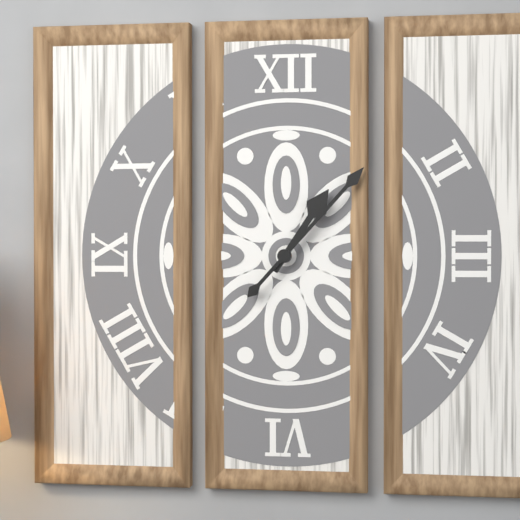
1:07
